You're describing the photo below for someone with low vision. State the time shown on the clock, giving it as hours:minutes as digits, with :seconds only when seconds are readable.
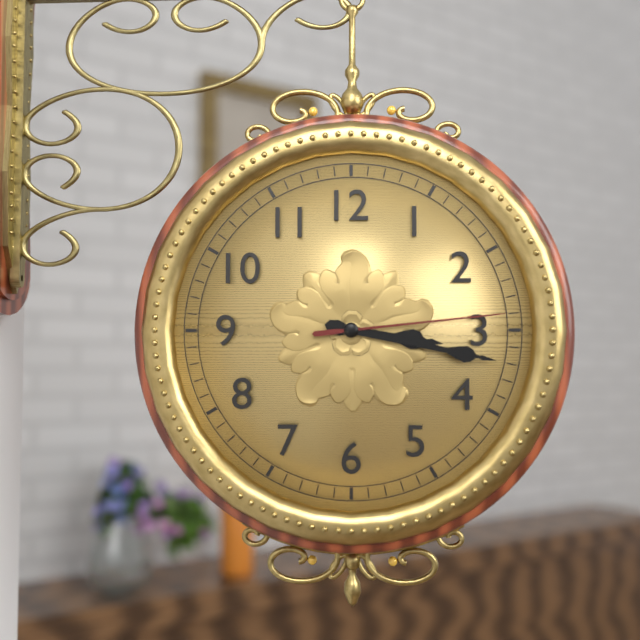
3:17:14
